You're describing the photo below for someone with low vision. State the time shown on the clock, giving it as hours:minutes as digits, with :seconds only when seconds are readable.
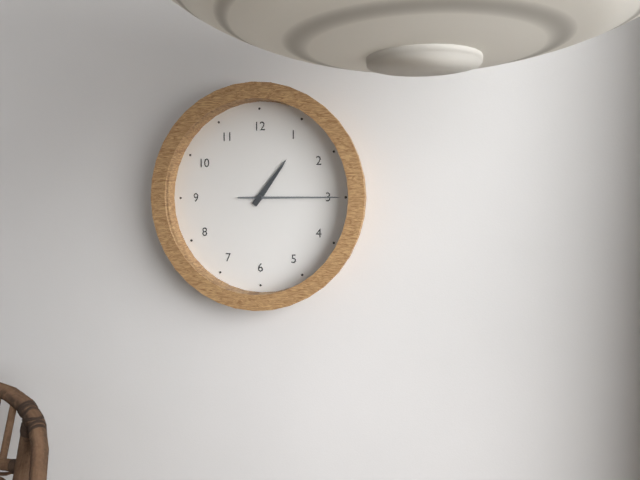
1:15
